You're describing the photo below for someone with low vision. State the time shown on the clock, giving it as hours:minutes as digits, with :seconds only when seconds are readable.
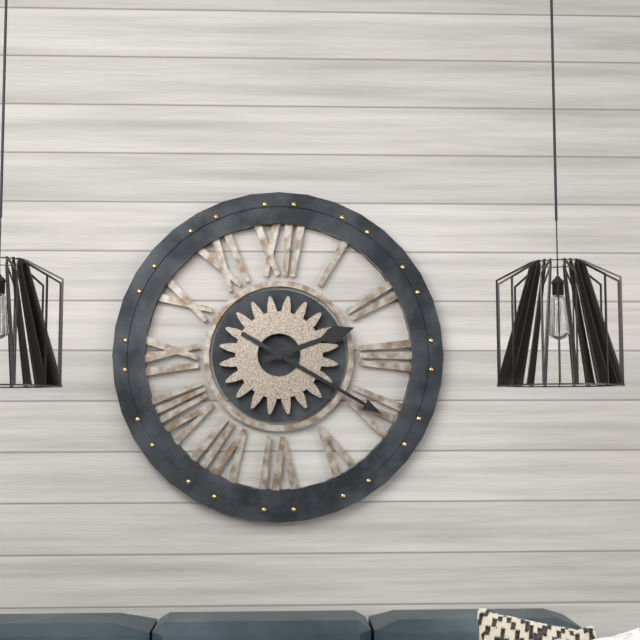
2:20
